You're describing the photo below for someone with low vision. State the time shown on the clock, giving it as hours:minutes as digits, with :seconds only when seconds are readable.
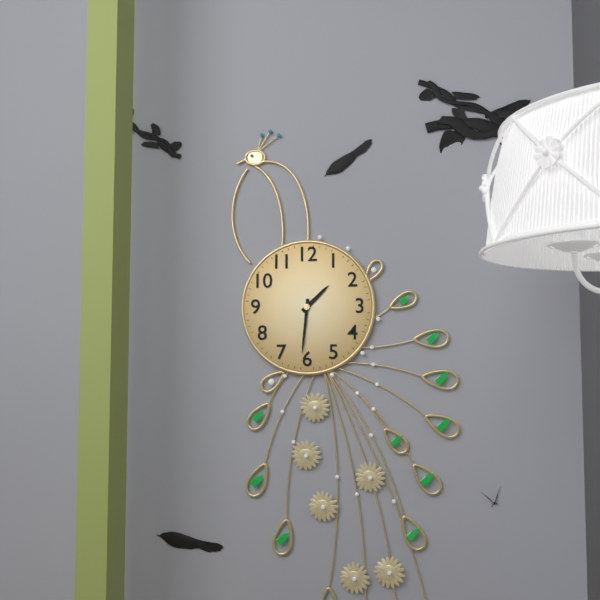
1:31
